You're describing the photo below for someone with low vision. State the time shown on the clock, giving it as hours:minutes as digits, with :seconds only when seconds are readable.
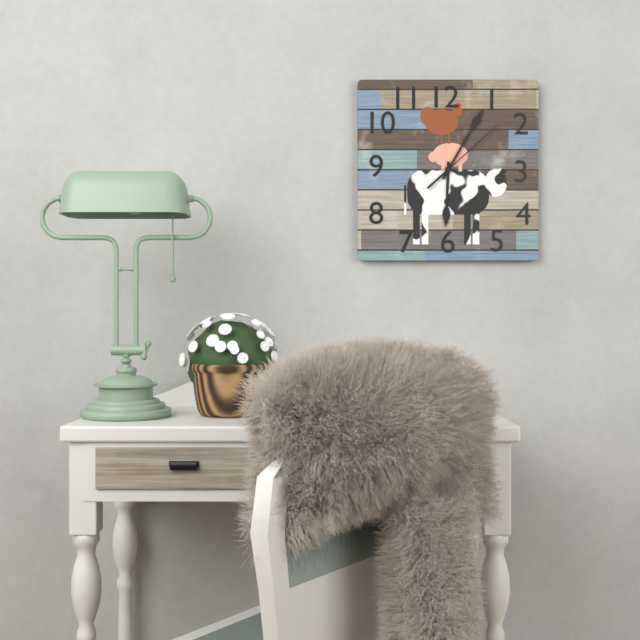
6:05:08
